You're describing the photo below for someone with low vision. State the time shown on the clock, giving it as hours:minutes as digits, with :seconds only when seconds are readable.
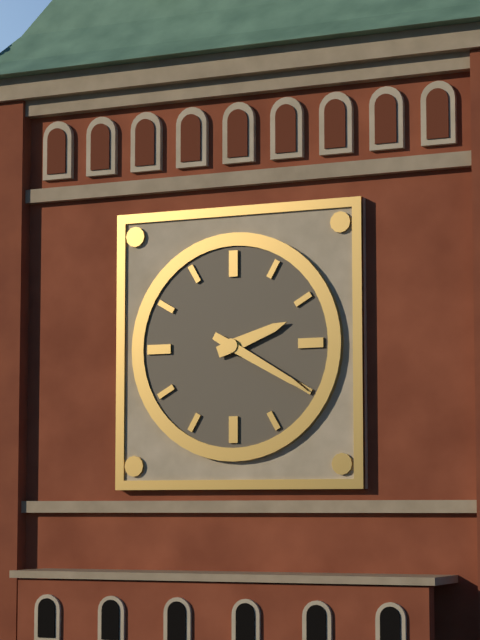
2:20
